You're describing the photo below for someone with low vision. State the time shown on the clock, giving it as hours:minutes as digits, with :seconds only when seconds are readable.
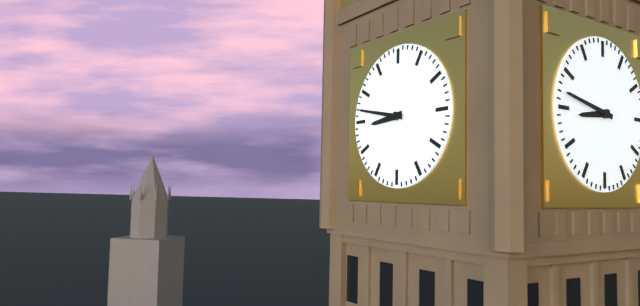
8:47
